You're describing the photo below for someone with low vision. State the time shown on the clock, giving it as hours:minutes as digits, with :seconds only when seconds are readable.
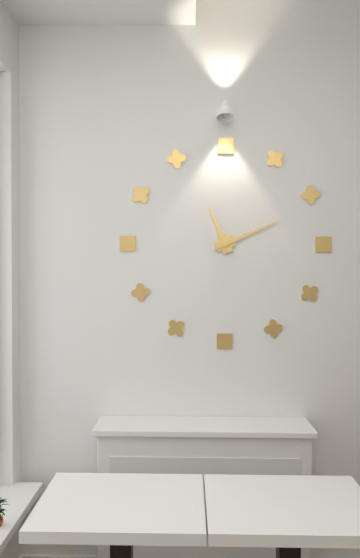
11:11
